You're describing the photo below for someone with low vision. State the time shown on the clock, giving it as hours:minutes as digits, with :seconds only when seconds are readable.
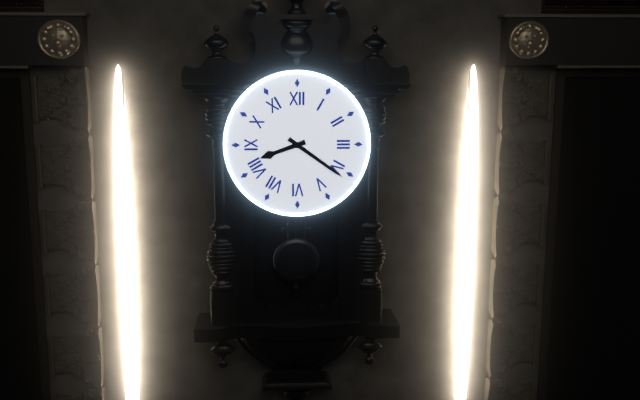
8:21
